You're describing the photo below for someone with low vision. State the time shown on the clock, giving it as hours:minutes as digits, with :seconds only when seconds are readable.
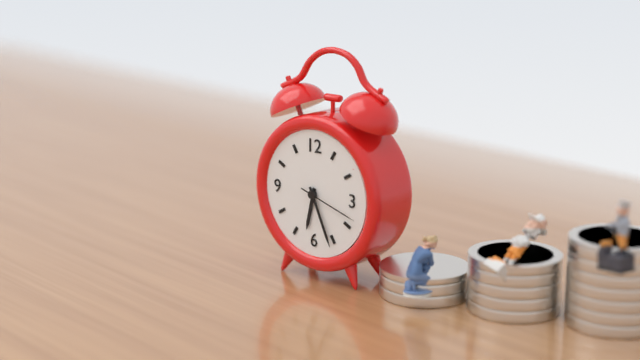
6:26:18
